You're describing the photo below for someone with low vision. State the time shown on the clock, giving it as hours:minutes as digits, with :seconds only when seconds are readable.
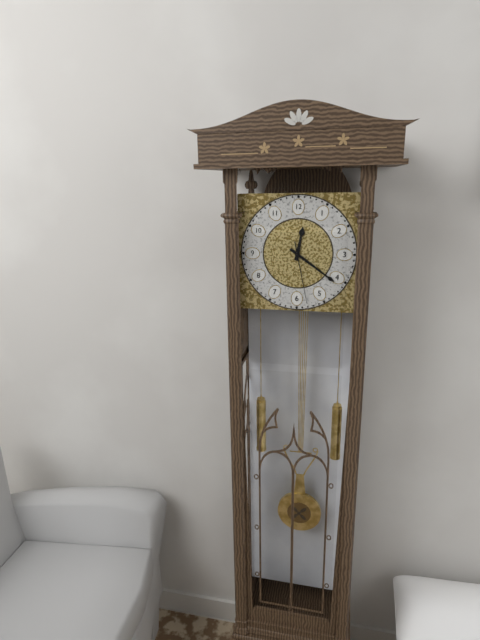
12:21:28
